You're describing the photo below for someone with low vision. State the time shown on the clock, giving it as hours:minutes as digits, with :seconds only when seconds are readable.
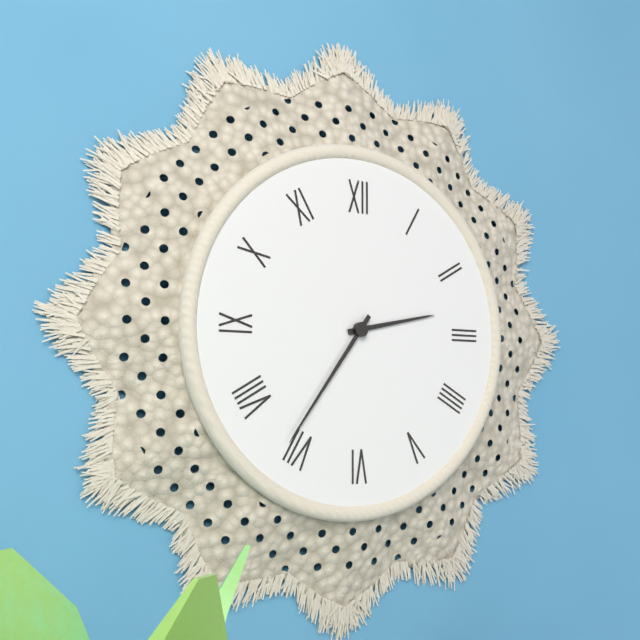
2:36
